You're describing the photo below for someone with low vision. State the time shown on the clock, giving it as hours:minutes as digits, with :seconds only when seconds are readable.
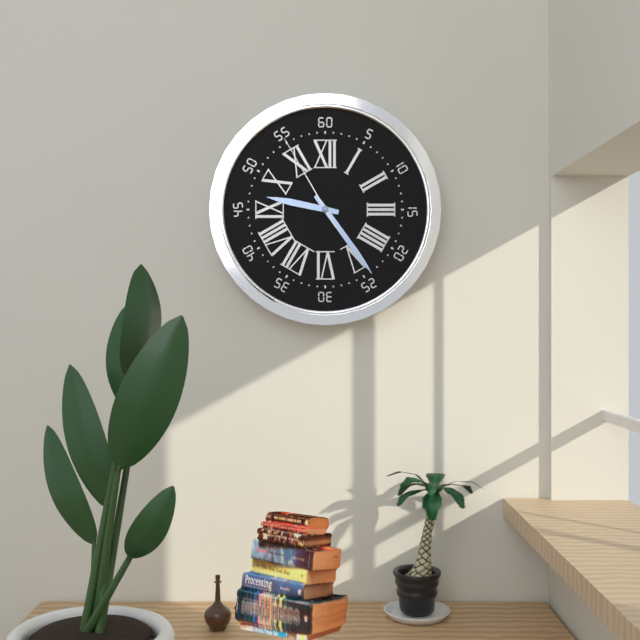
9:24:55
